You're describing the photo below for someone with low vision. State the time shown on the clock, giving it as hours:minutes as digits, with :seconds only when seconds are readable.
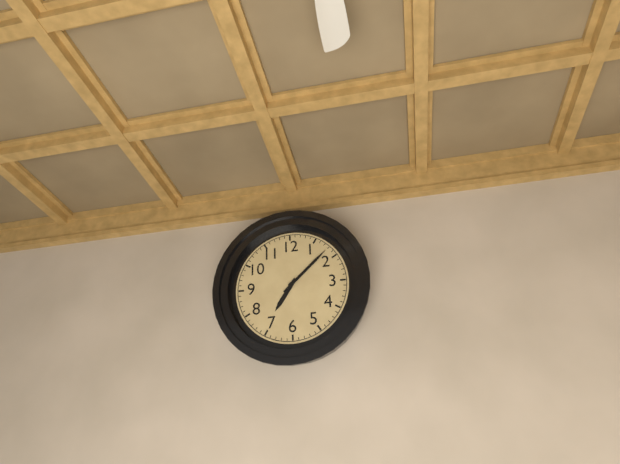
7:08
